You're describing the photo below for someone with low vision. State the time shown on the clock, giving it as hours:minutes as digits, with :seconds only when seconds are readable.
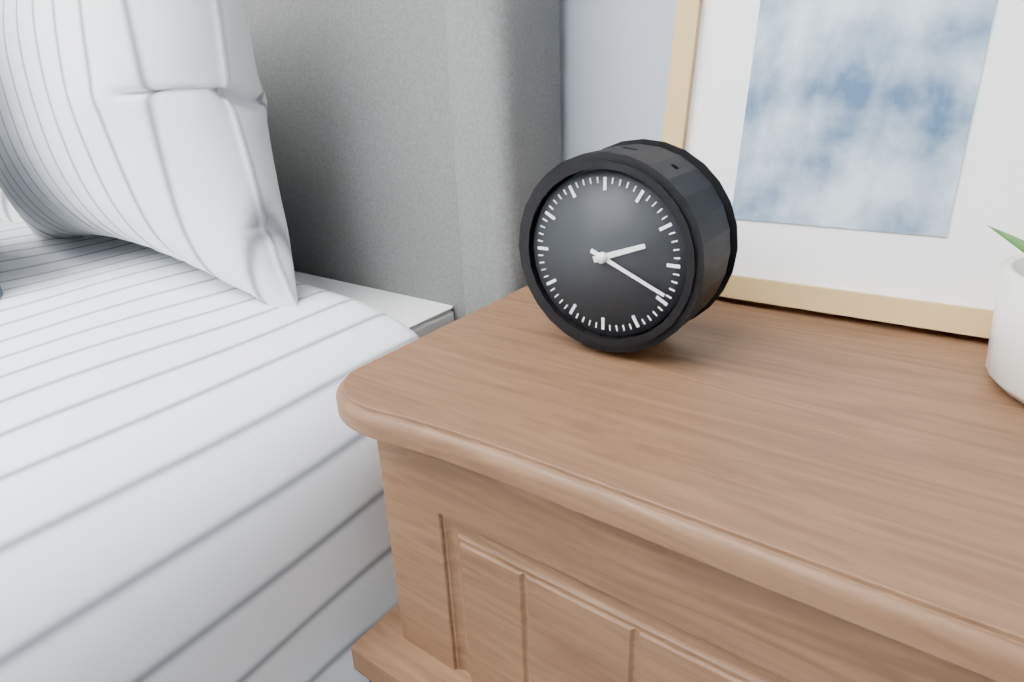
2:19
